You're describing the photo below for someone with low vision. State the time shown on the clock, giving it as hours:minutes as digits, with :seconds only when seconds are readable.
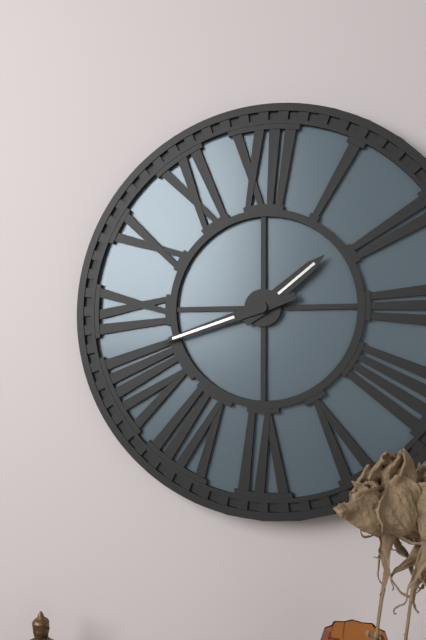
1:42
